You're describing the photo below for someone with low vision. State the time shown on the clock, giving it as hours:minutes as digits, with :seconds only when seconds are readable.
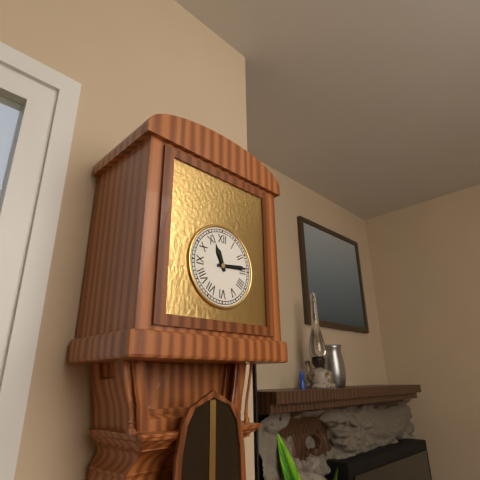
11:14
